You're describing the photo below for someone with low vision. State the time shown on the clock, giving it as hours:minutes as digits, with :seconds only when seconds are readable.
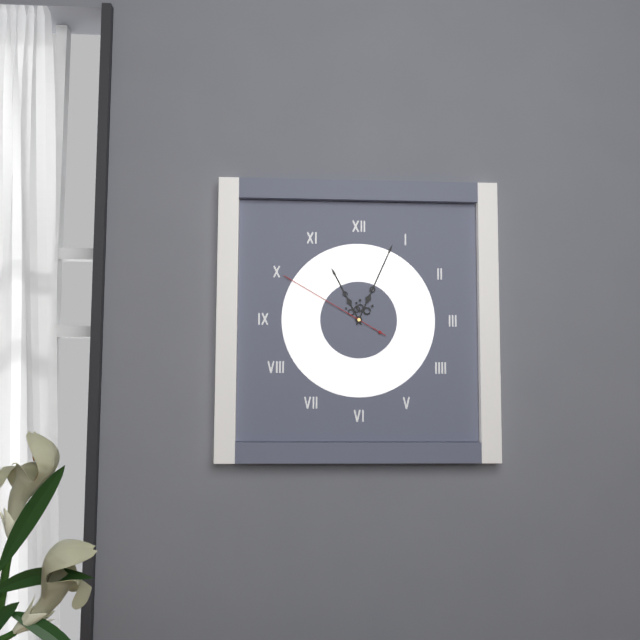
11:04:50
